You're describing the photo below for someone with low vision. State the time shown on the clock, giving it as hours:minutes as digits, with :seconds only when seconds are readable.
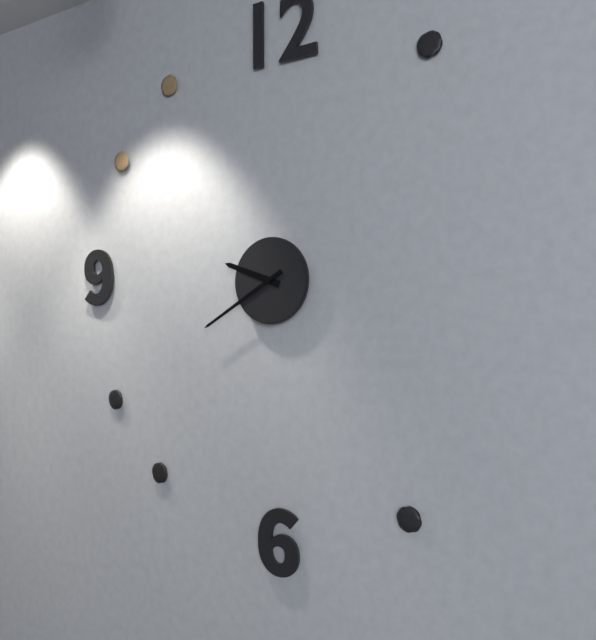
9:40
